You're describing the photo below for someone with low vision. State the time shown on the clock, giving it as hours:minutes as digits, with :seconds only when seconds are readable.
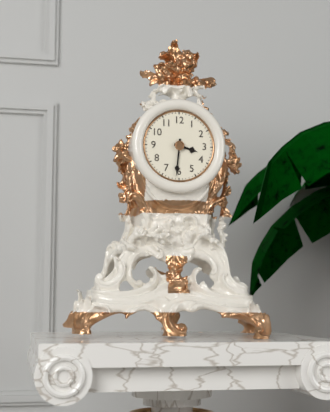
3:31
